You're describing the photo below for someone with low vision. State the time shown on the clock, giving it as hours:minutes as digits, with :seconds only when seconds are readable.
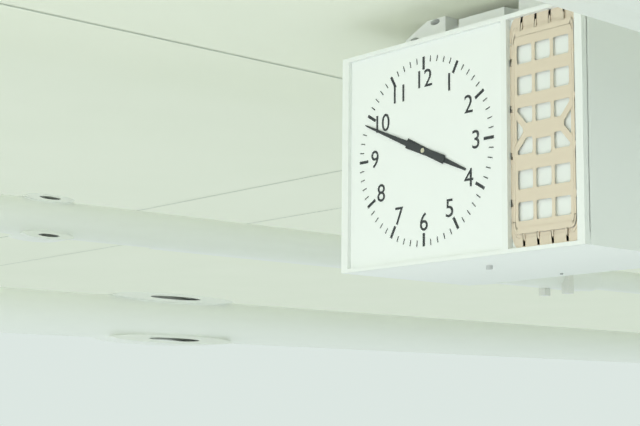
3:49
